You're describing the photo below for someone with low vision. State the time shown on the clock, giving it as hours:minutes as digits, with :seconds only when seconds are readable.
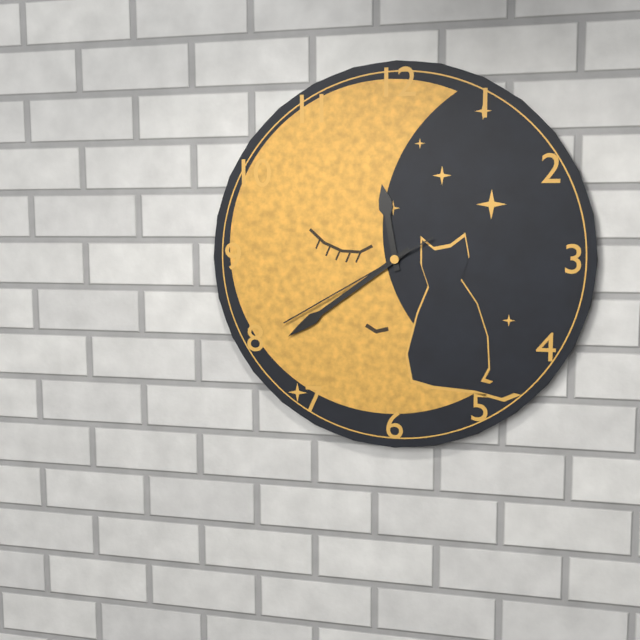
11:39:40
